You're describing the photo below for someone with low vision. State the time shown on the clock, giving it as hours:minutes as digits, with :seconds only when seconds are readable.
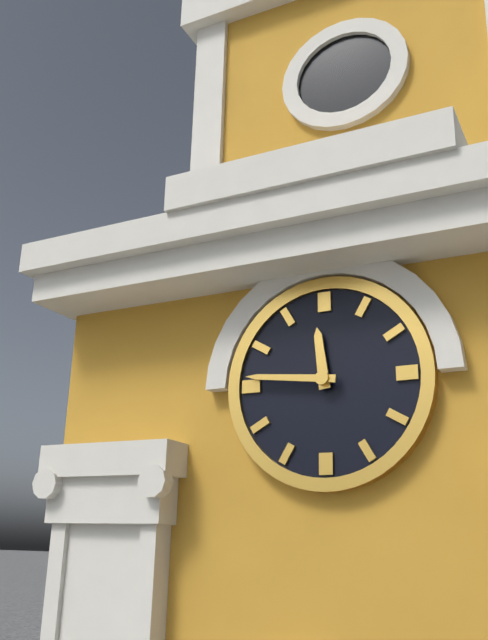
11:46
